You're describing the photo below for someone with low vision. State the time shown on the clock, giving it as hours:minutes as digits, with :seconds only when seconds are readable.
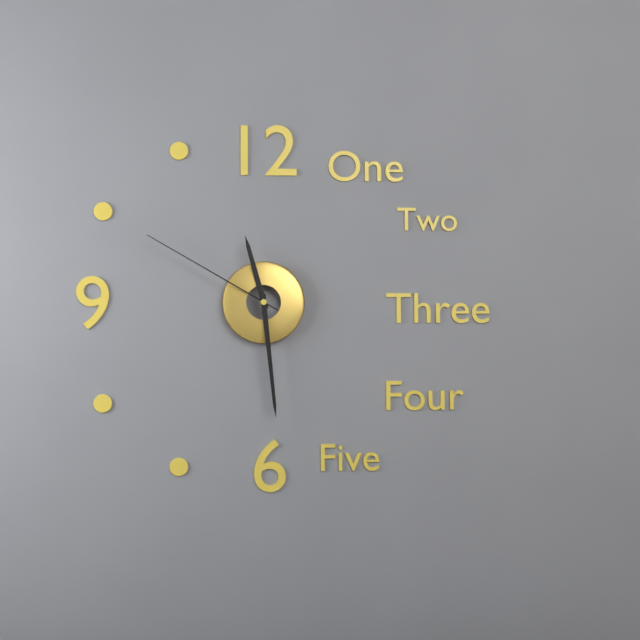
11:29:50
